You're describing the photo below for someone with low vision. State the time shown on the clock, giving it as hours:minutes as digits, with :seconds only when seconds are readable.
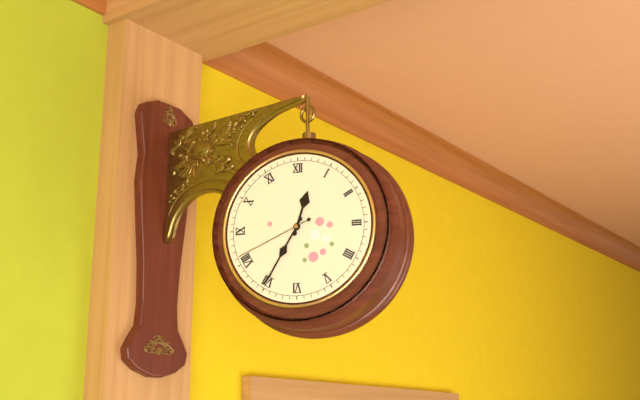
12:35:41
